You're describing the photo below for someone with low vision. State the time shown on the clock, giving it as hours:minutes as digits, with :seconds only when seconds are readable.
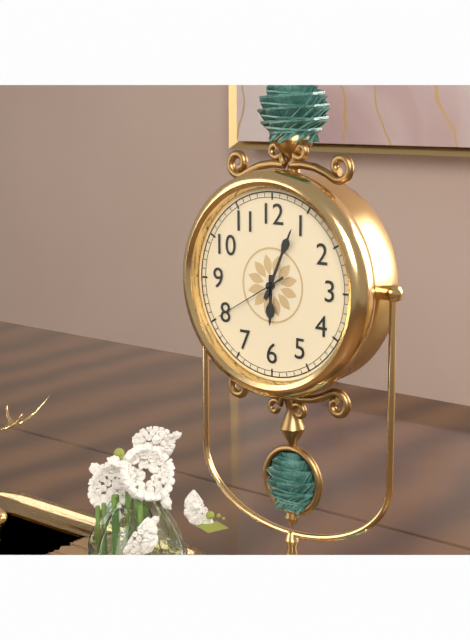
6:04:40
